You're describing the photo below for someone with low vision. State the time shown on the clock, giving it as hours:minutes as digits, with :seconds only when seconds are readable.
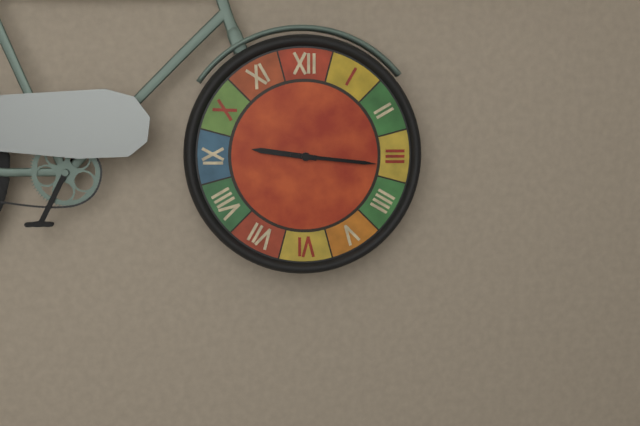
9:16
